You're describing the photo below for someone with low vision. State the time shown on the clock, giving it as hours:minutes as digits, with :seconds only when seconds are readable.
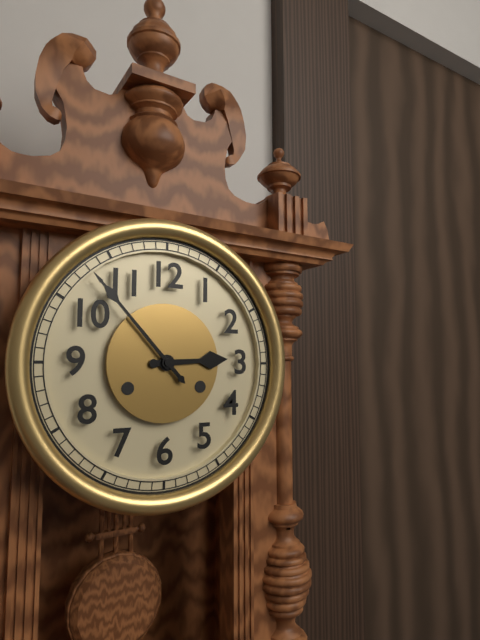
2:53
